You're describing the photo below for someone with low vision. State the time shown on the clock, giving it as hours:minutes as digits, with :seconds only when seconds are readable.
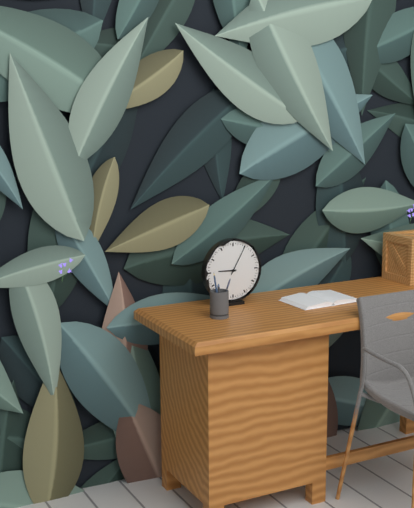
9:05
